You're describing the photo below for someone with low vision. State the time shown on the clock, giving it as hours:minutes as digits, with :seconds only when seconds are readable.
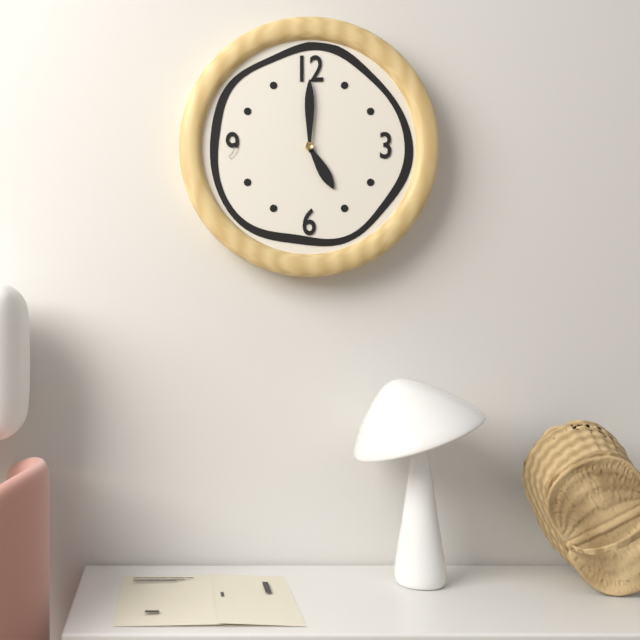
5:00
